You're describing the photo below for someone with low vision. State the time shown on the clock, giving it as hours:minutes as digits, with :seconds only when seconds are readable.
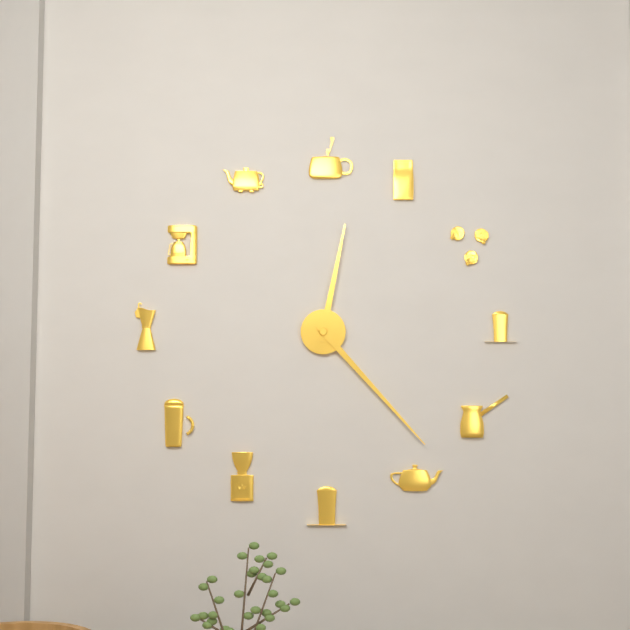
12:23
